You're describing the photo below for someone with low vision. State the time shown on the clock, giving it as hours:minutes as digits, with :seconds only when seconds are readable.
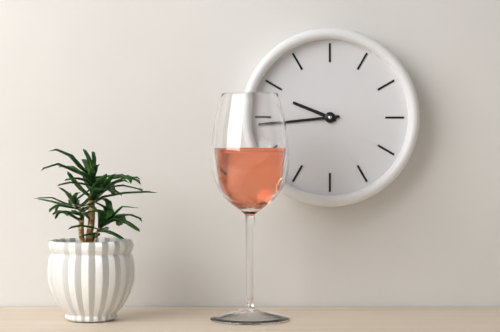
9:44
